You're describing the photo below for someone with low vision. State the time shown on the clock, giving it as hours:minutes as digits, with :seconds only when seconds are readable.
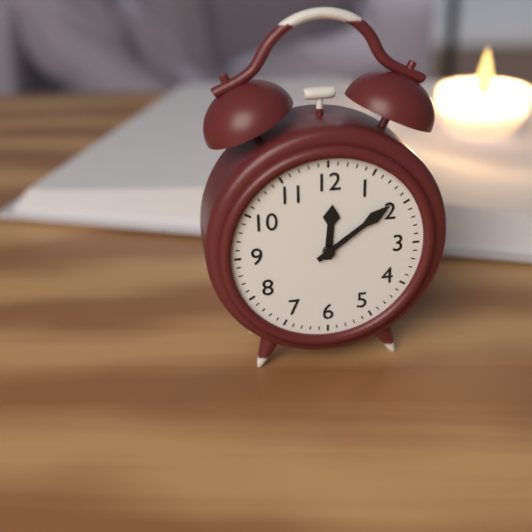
12:09
